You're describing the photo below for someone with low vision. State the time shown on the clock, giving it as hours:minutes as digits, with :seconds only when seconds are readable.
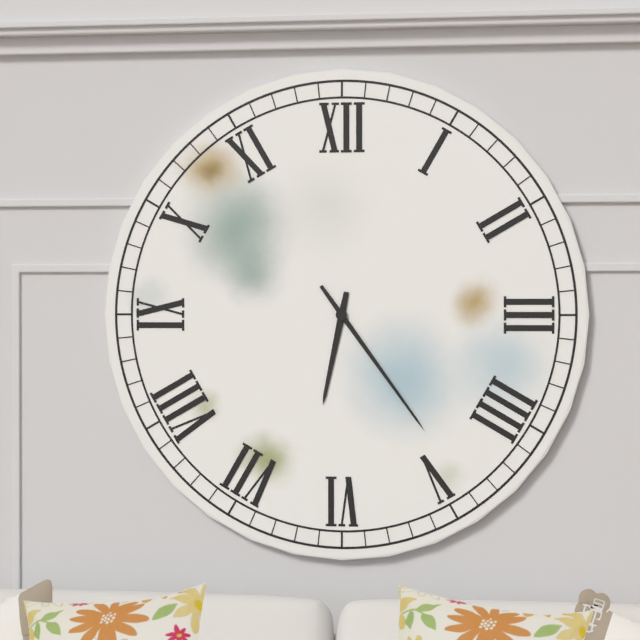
6:24
